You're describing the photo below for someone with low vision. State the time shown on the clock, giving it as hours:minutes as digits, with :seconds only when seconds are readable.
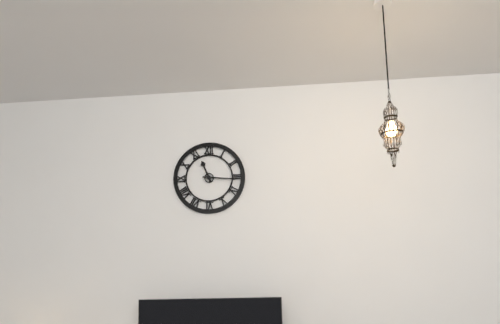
11:16
